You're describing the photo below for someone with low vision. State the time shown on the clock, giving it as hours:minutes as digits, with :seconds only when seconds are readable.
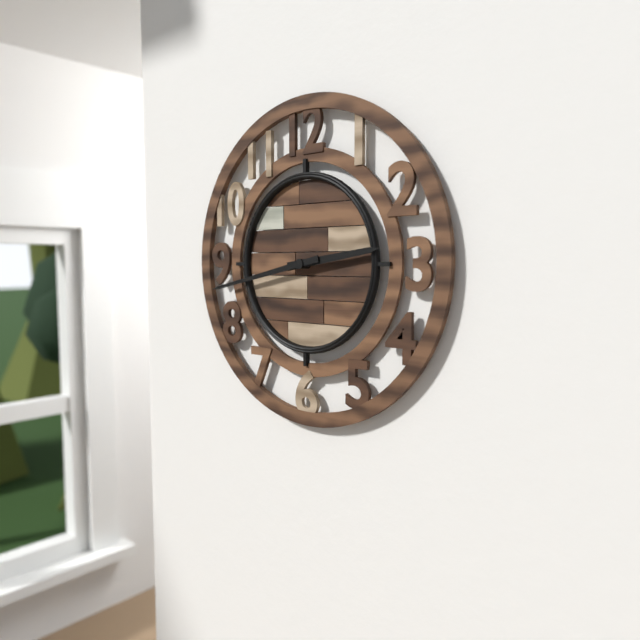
2:43
